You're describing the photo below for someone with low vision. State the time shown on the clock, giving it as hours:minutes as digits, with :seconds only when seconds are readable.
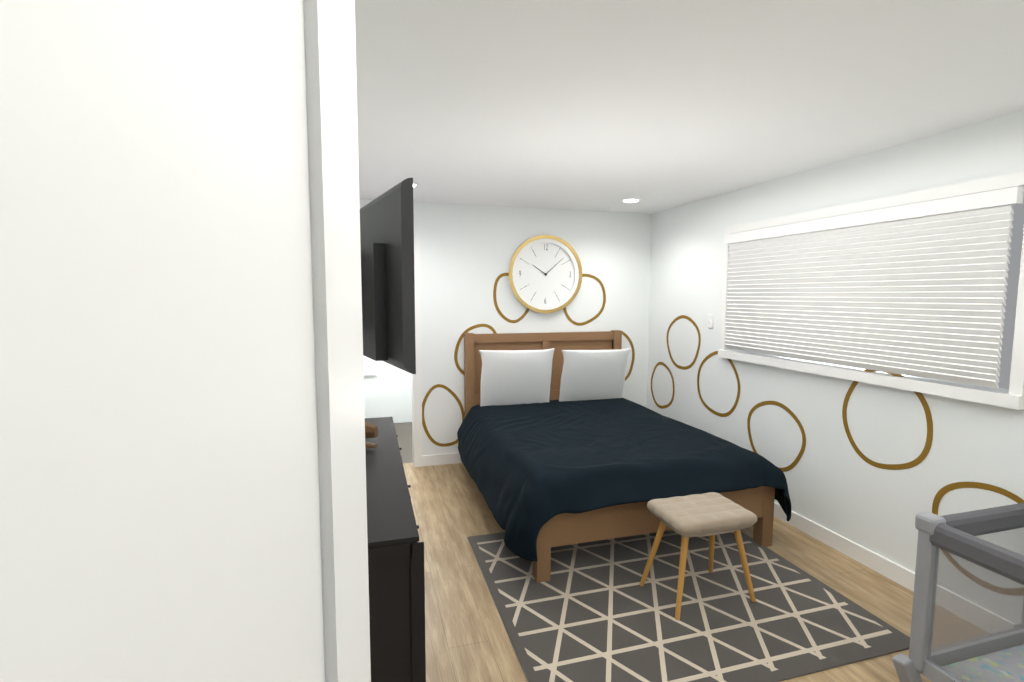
10:08
